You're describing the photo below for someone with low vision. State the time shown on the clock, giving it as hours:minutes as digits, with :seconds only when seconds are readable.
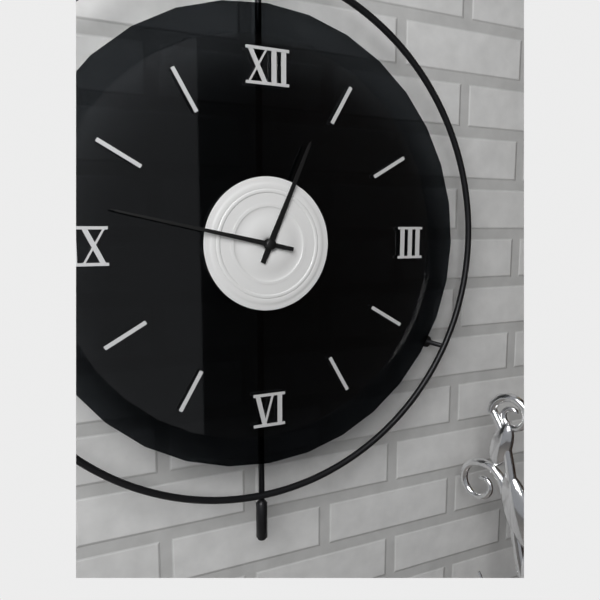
12:47
